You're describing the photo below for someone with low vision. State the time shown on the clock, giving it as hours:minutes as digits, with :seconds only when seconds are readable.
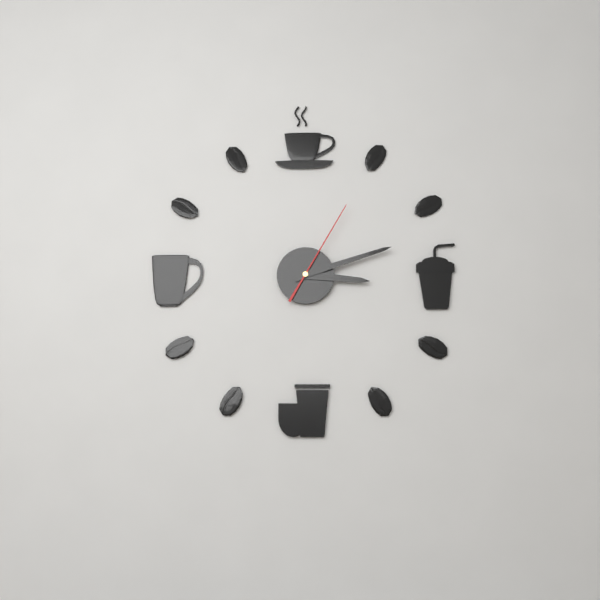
3:12:05
